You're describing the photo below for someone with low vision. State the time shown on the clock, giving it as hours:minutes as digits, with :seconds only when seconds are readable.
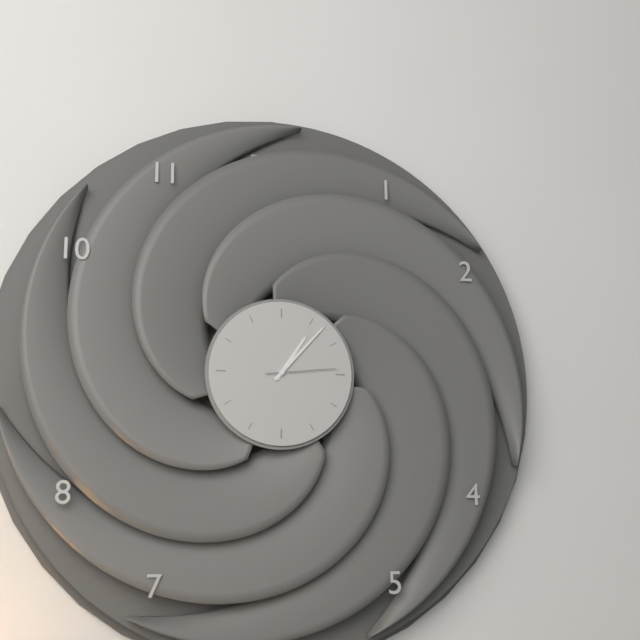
1:07:14
